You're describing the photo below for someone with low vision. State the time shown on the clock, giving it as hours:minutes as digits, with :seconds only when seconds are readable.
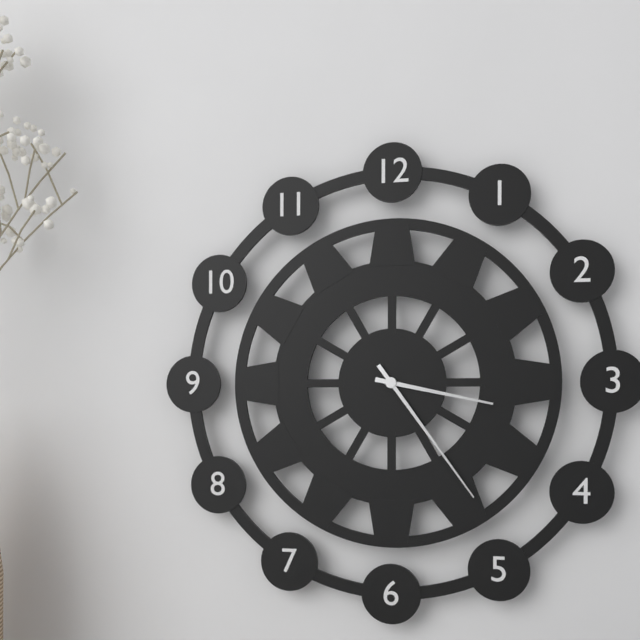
3:24
